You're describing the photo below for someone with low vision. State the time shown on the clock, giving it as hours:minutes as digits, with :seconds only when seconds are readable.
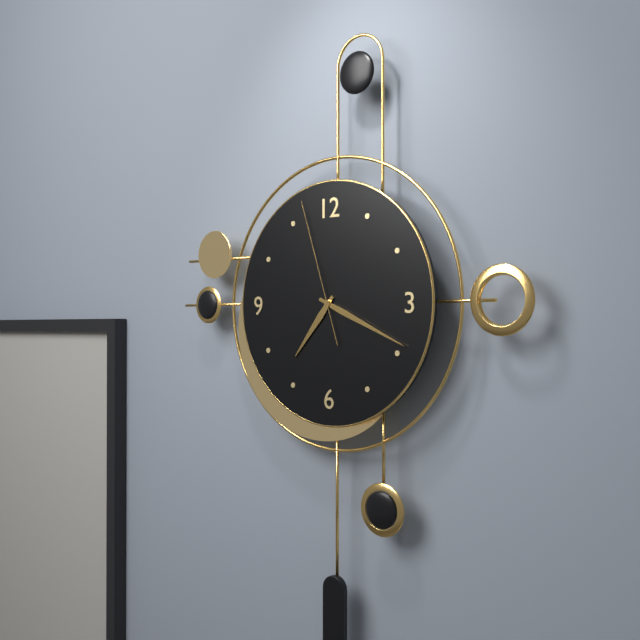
7:19:57
